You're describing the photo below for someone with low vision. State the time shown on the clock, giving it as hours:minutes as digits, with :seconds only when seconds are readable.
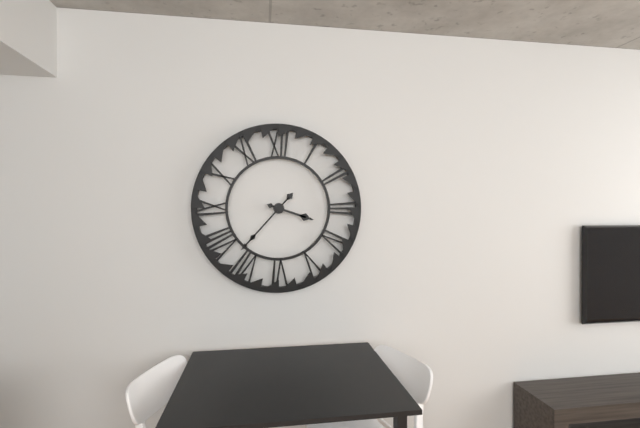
3:37
